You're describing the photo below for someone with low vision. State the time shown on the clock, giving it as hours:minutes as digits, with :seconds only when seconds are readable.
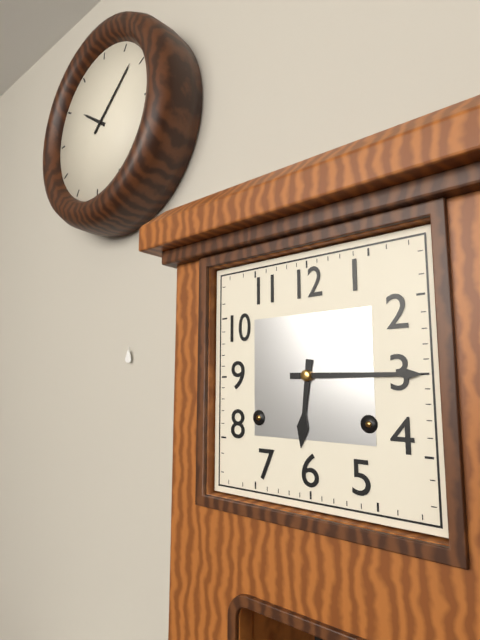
6:15
